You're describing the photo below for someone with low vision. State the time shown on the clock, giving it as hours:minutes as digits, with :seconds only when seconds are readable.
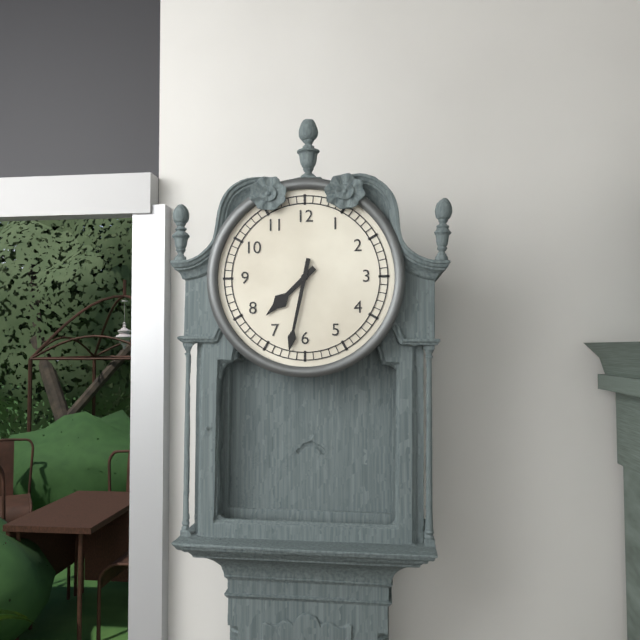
7:32
